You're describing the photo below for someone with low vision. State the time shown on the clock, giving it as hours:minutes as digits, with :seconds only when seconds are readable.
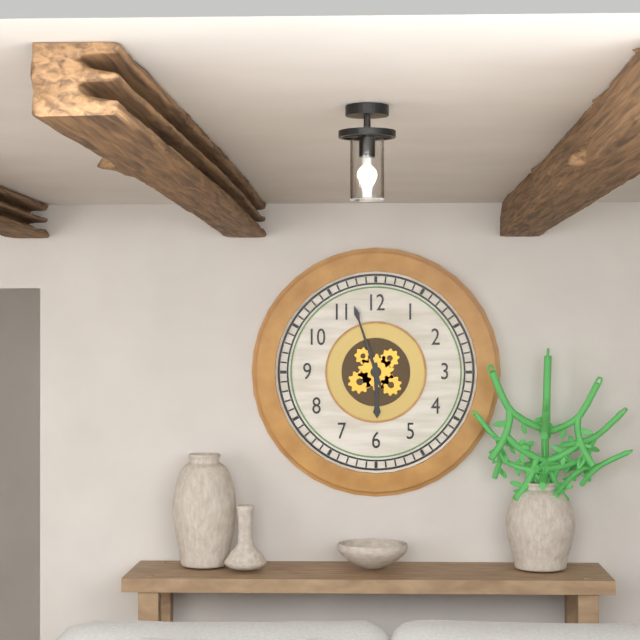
5:57
